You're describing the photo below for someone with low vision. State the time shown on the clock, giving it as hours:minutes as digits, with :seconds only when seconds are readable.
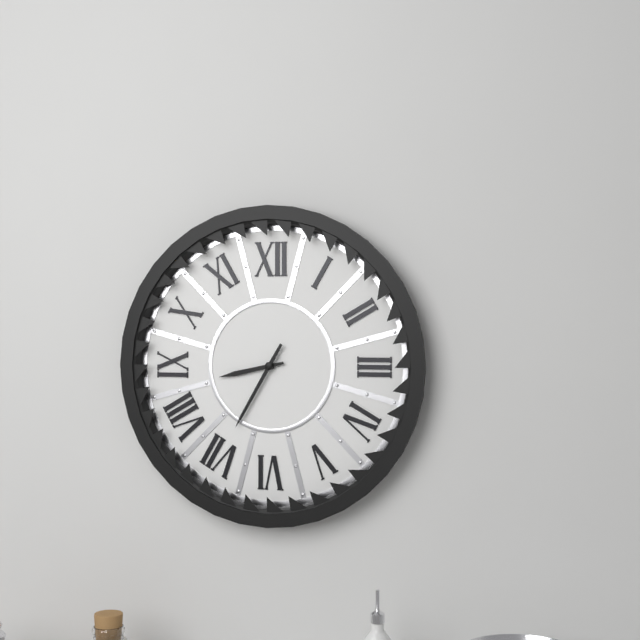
8:35
